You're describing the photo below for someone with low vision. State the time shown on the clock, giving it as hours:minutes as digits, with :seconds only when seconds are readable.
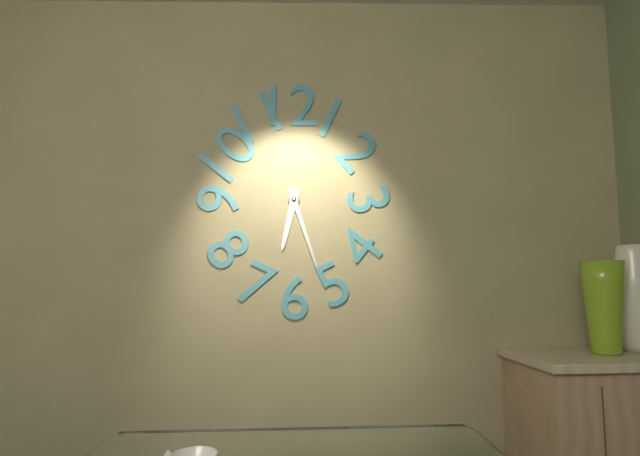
6:27
